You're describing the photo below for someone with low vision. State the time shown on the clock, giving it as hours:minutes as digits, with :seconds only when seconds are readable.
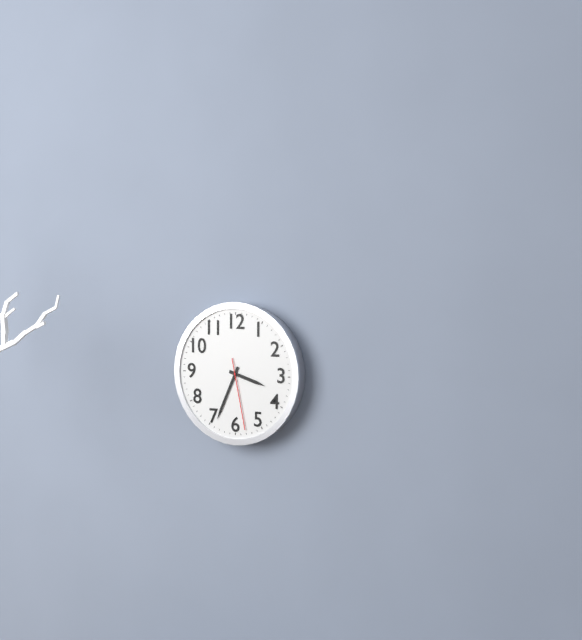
3:34:28
